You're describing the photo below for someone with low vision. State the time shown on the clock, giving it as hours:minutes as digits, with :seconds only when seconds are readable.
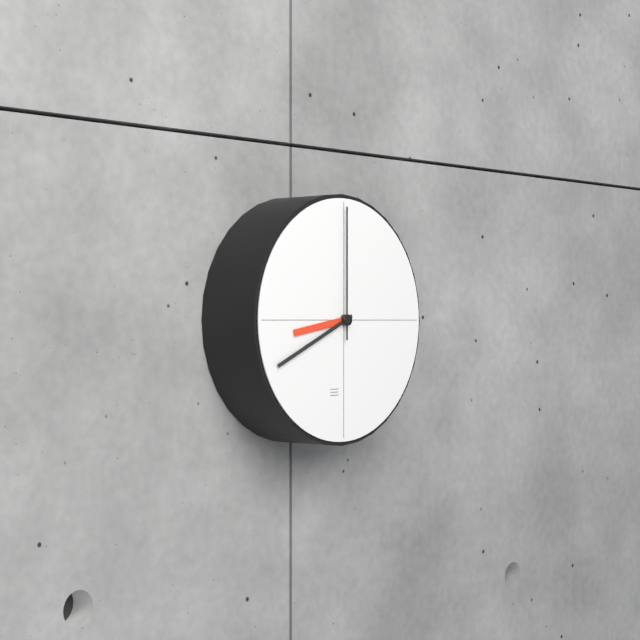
8:41:00
